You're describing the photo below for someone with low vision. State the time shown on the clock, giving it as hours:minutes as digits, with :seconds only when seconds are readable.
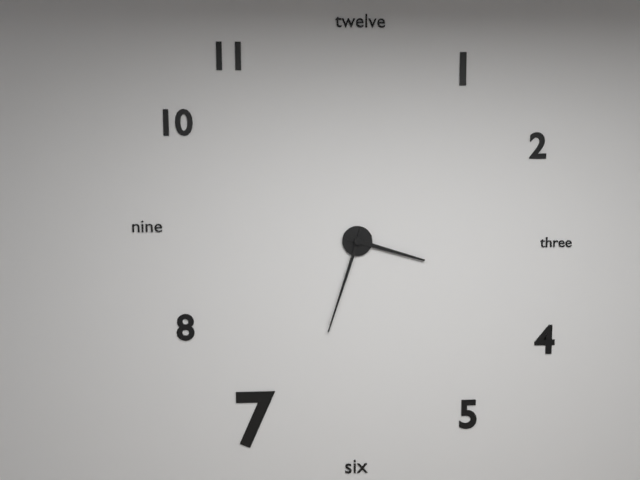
3:33
